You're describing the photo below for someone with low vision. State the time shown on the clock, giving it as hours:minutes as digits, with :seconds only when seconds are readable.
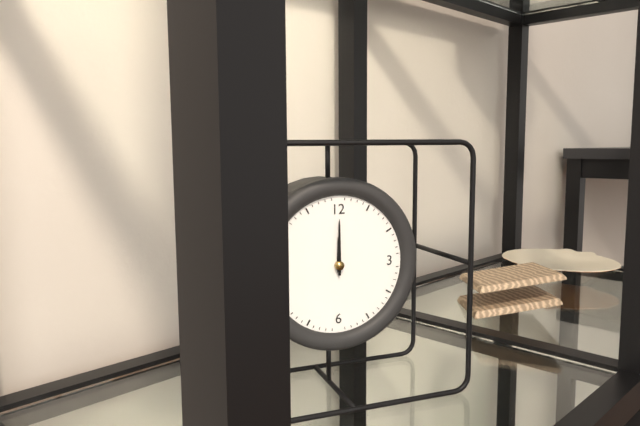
12:00
